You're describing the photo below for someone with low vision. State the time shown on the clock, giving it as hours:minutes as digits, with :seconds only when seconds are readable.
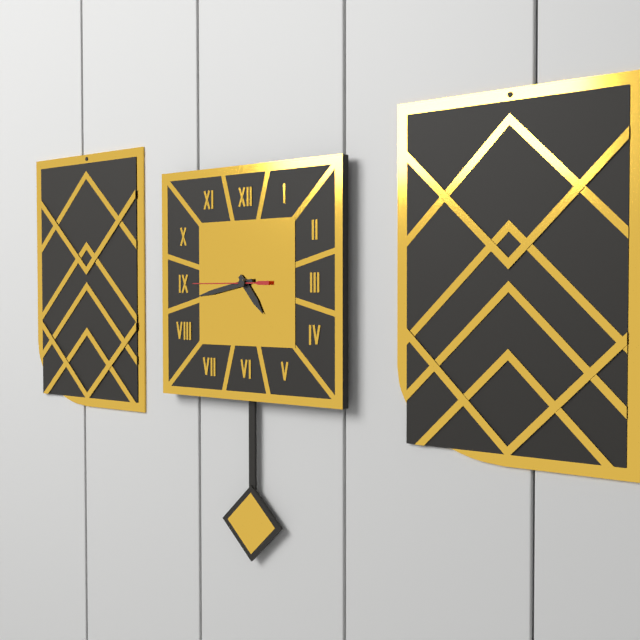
4:43:45
